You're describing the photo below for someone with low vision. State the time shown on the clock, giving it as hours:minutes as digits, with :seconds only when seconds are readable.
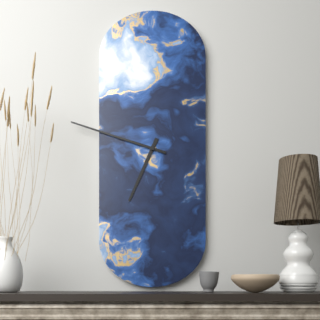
6:48
